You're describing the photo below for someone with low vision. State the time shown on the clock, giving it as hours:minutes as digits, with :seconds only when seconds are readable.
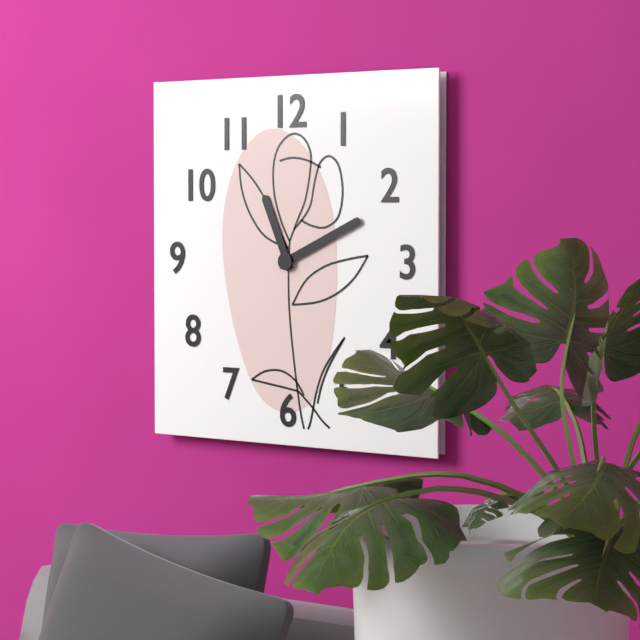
11:11
